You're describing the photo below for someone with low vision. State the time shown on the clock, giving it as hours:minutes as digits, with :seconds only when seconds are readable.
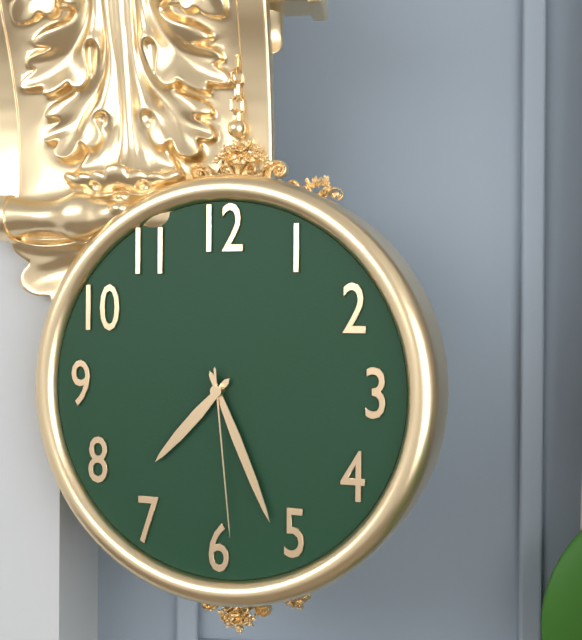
7:26:29
